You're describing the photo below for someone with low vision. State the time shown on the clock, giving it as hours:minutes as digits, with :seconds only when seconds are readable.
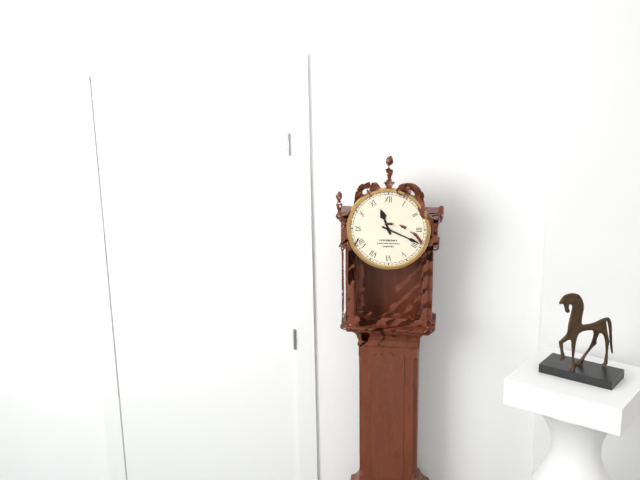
11:19
